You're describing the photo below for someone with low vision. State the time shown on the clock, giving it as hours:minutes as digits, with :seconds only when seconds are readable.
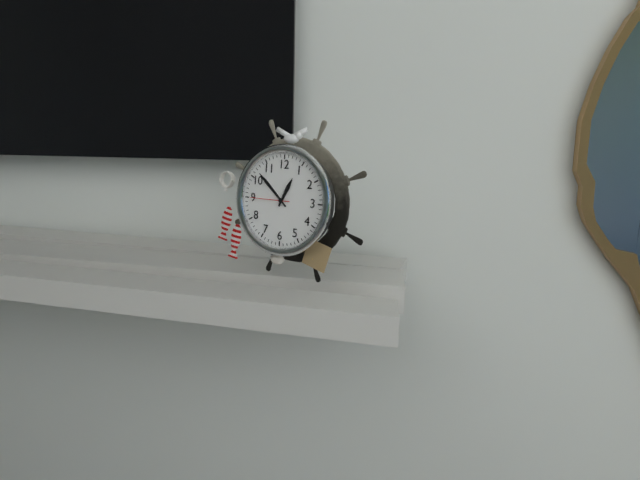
12:52
